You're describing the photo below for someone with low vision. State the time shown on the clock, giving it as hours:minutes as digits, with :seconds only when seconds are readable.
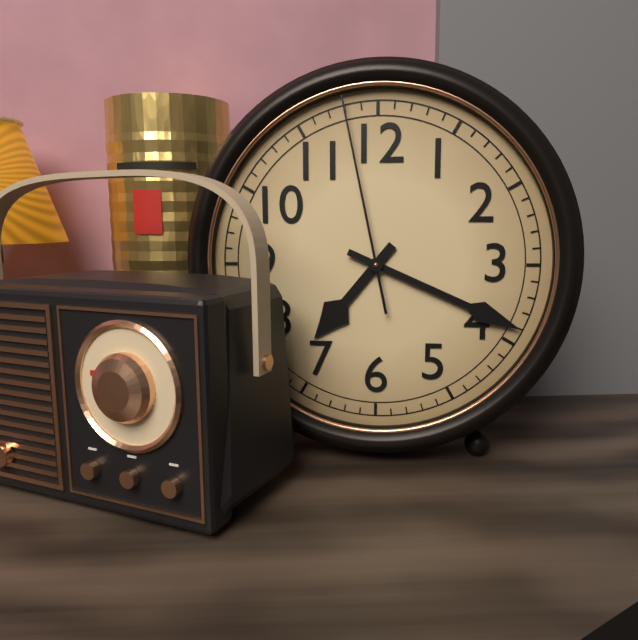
7:19:58
